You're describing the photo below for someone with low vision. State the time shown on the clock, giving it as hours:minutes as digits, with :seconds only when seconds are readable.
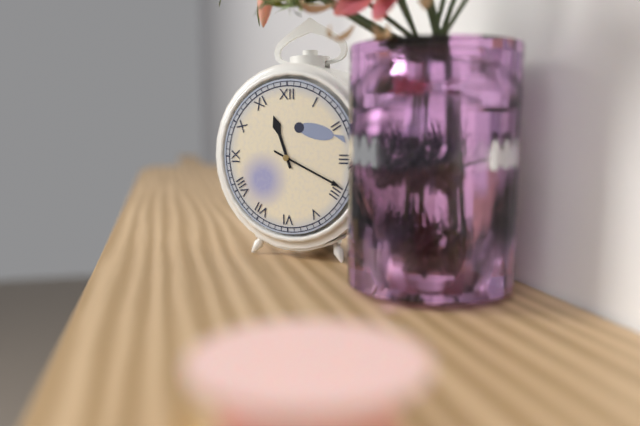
11:19
